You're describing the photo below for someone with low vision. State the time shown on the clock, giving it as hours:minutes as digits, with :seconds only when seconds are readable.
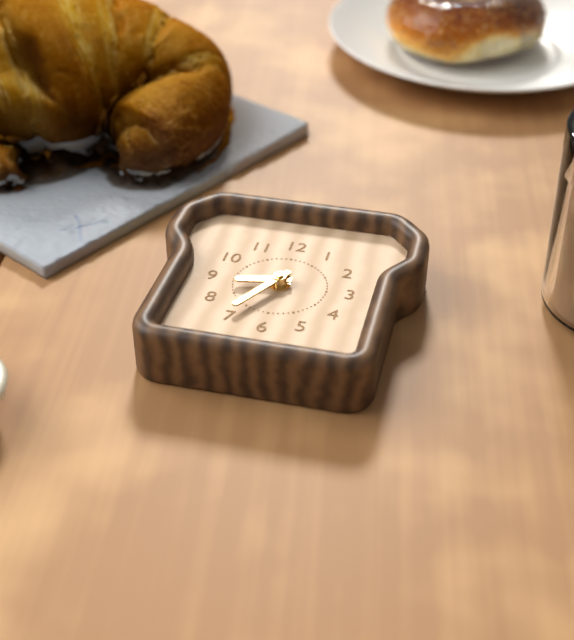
8:35
